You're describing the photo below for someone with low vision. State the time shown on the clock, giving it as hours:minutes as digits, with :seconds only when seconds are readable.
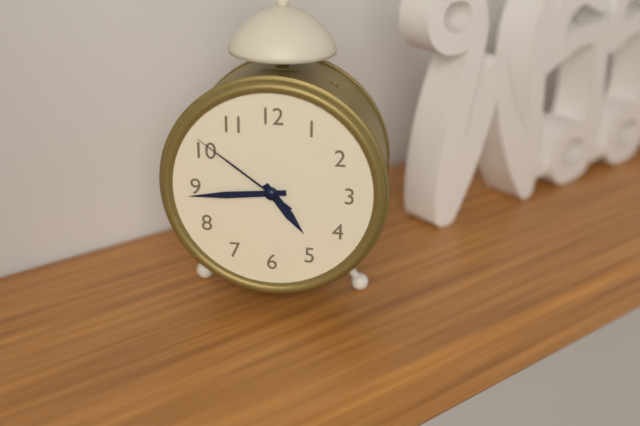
4:44:51
